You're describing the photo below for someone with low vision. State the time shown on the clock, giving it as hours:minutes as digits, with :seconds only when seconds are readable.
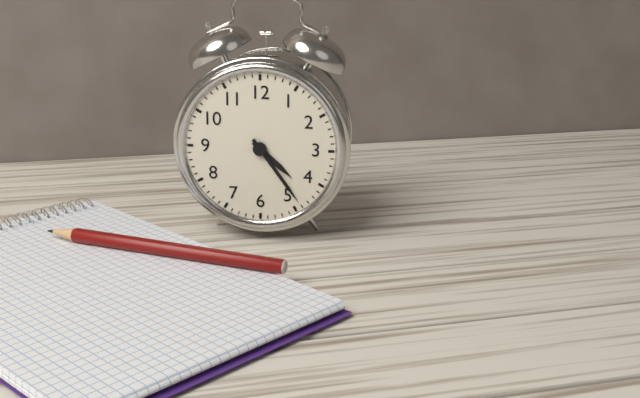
4:24
